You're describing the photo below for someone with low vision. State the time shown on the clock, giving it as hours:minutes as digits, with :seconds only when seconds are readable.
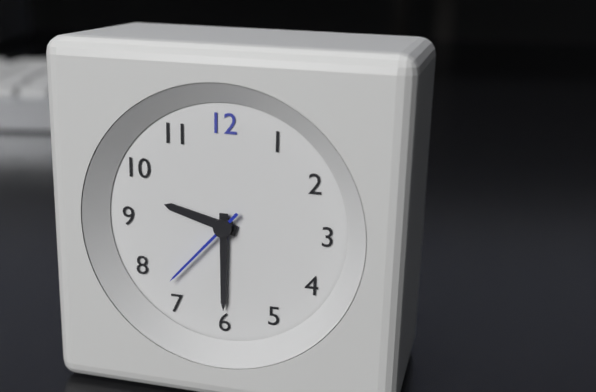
9:30:37
